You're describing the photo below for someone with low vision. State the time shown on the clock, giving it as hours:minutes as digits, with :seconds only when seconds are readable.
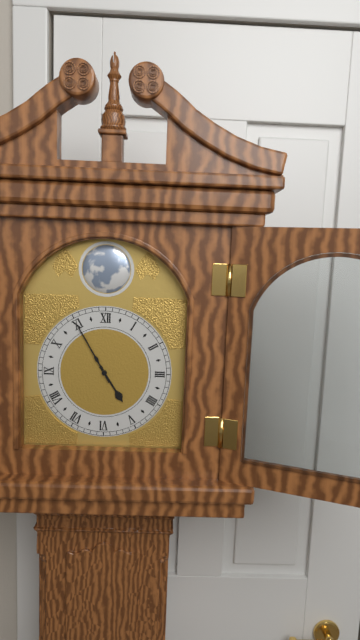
4:55
